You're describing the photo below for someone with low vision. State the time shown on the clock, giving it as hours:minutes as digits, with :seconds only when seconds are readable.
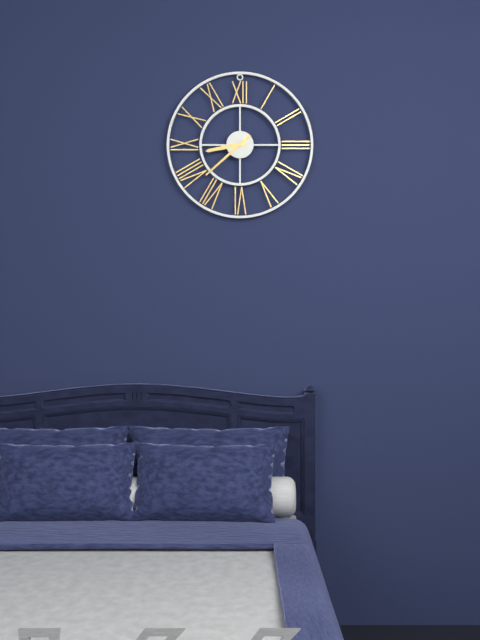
8:38
